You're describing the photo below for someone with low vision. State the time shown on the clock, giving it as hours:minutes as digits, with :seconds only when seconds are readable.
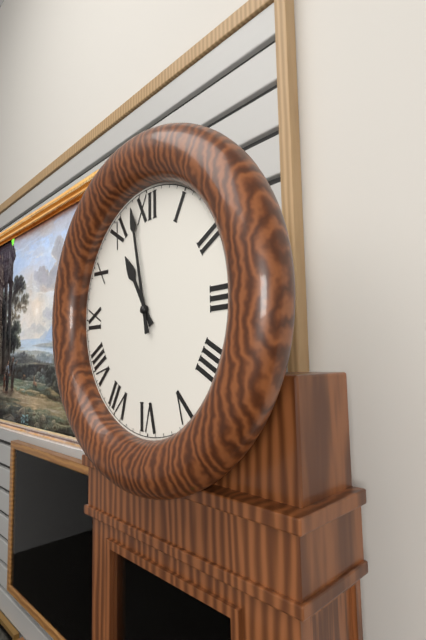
10:58
